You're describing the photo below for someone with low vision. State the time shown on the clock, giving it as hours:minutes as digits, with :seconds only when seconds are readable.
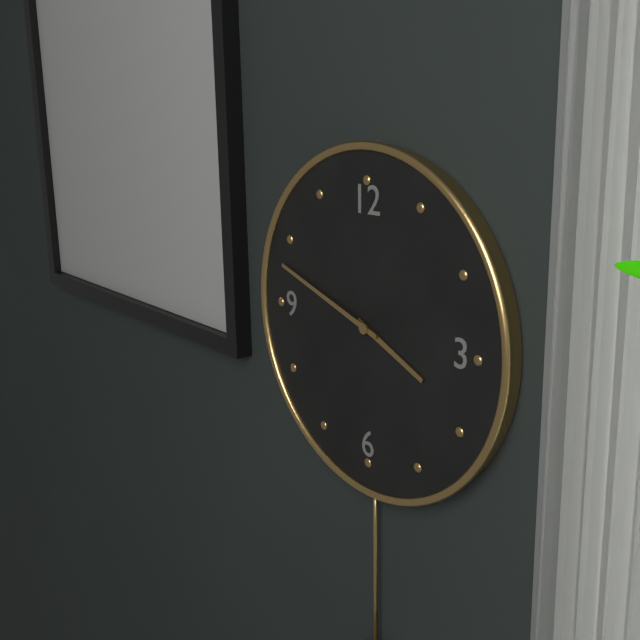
3:48
